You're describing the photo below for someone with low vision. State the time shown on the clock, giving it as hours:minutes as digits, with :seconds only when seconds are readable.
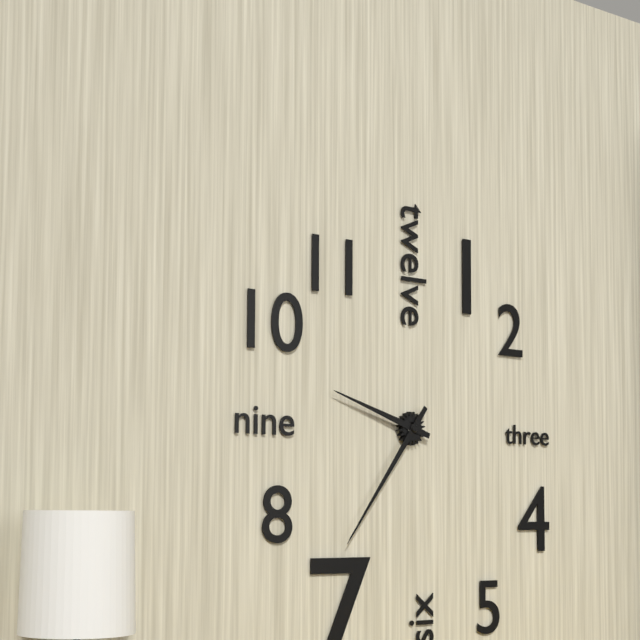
9:36
